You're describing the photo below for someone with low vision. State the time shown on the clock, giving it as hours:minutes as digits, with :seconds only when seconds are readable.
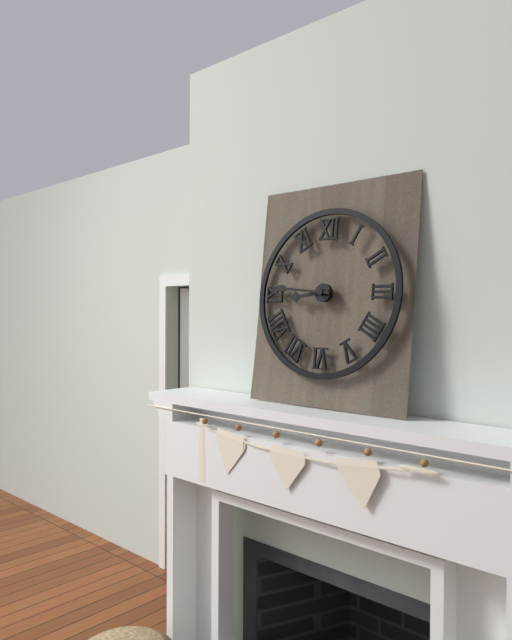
8:46
